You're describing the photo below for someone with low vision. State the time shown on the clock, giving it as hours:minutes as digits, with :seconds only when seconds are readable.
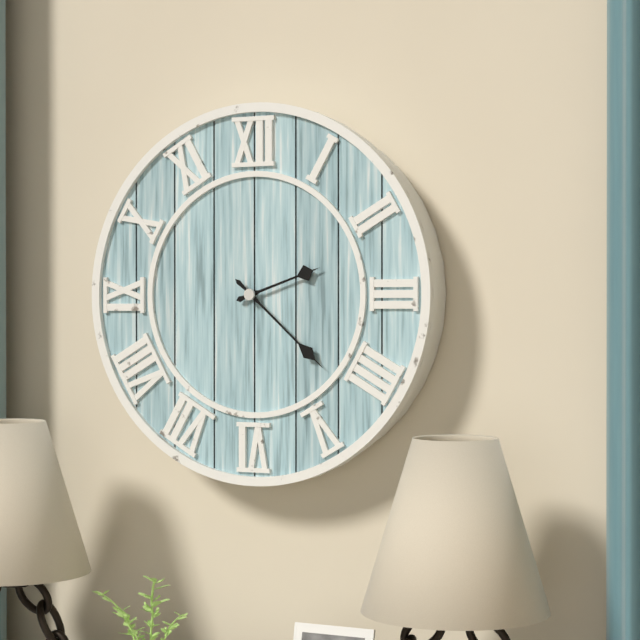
2:22
